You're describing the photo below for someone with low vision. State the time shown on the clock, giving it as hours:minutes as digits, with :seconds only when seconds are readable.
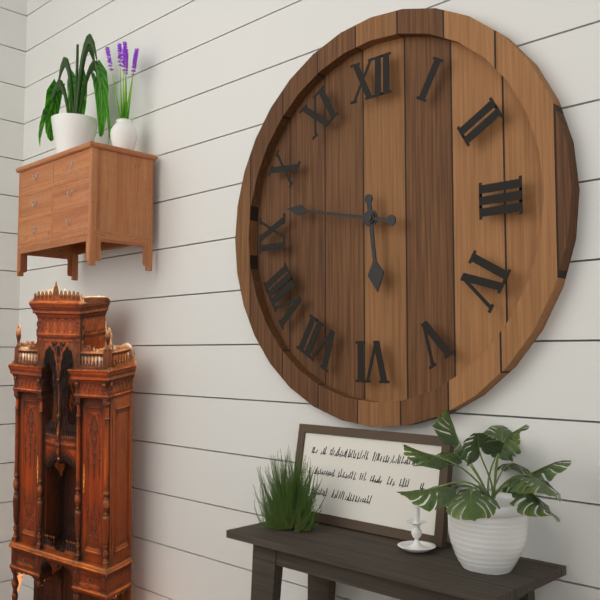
5:47
